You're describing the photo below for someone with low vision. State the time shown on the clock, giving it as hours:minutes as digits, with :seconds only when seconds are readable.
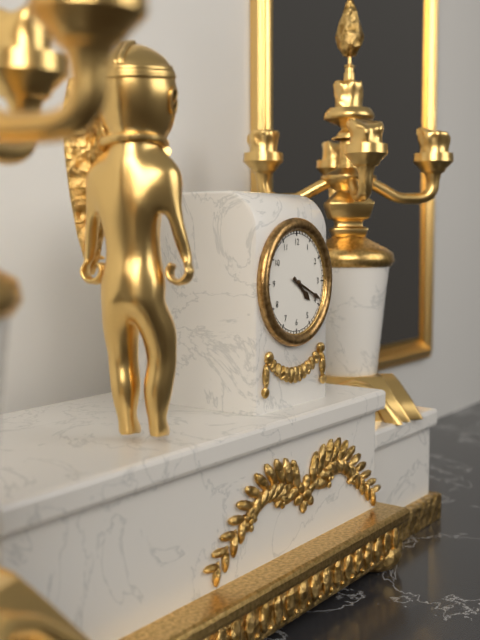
4:19
